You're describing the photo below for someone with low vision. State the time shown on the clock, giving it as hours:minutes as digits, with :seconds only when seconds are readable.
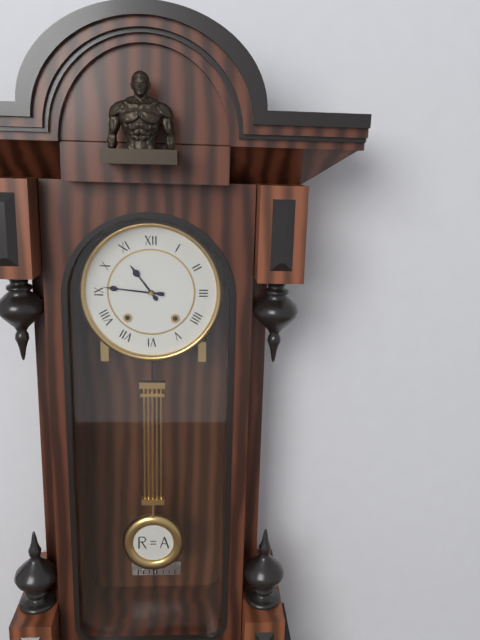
10:46
